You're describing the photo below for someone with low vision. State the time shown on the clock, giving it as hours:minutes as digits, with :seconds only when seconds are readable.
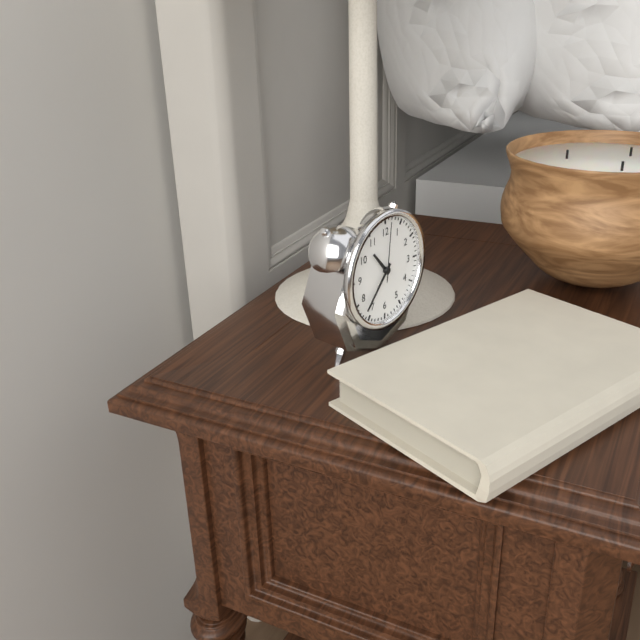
10:37:01
